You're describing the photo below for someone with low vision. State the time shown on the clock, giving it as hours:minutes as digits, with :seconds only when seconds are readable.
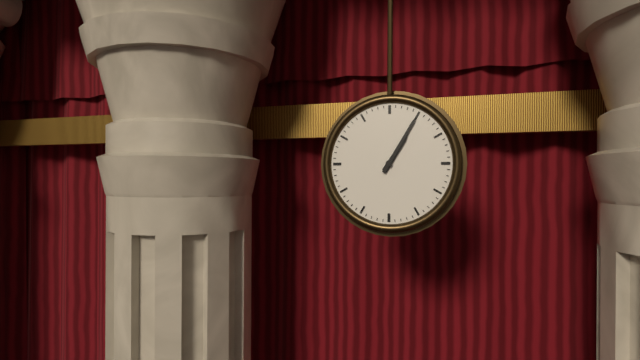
1:05
